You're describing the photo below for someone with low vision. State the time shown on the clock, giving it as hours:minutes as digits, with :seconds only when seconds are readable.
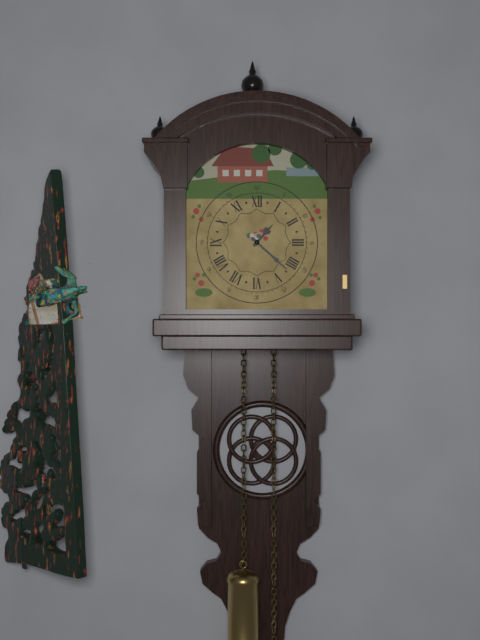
1:22
